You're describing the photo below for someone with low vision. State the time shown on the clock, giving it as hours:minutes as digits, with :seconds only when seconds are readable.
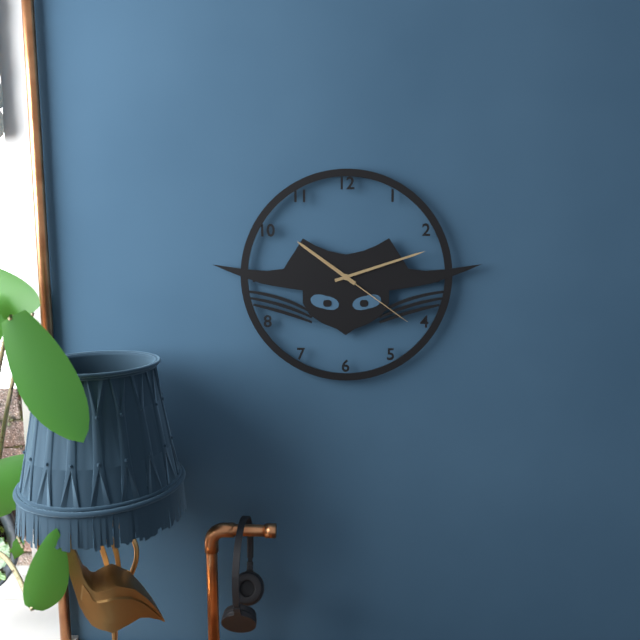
10:12:21
